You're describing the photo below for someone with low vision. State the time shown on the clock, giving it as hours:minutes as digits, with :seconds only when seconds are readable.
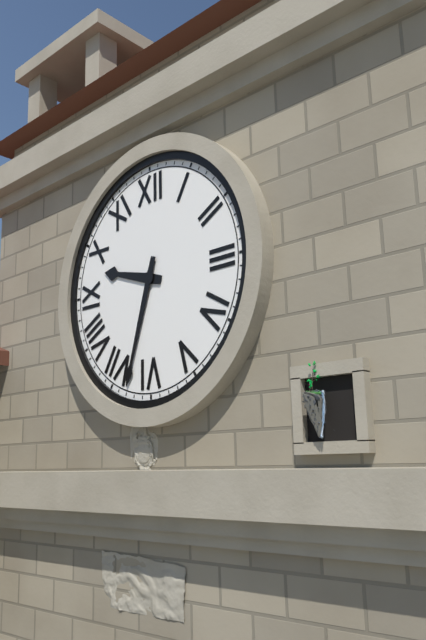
9:33
